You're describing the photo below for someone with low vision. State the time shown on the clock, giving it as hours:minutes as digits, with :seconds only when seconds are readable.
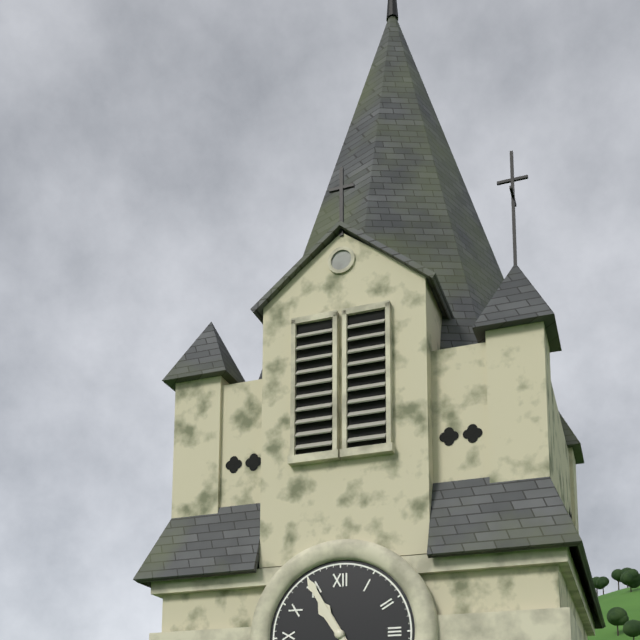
10:55
